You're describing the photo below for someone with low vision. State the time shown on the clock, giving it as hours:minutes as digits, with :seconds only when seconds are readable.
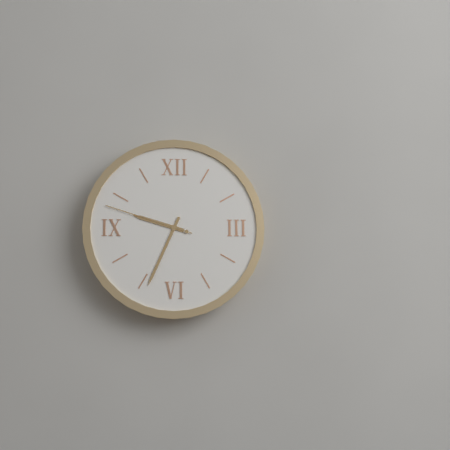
9:34:48
